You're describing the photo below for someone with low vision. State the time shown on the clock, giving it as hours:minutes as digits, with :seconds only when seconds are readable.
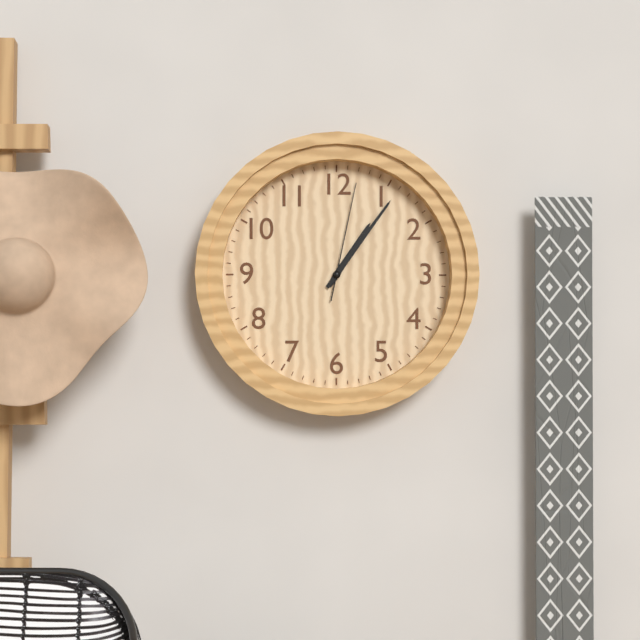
1:06:02
